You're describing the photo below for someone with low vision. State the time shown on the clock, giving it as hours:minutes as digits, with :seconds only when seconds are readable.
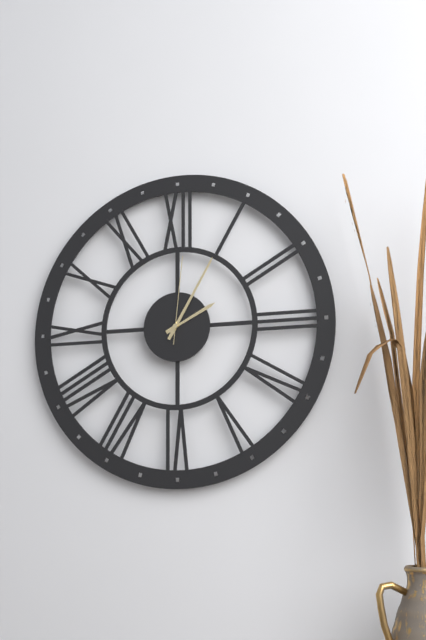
2:05:01
